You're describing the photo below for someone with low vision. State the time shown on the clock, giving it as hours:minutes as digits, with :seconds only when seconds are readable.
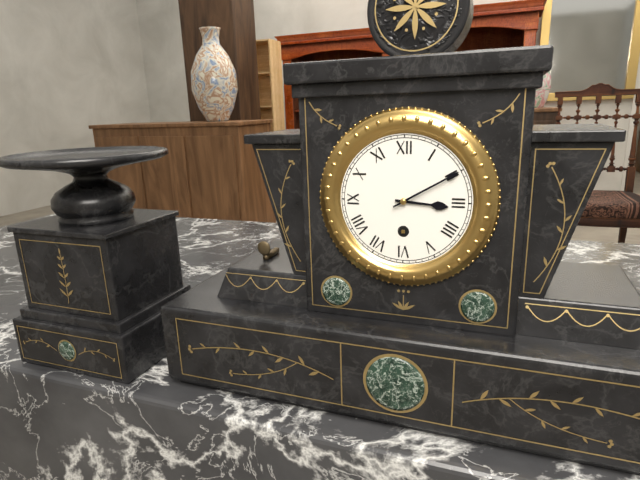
3:10
